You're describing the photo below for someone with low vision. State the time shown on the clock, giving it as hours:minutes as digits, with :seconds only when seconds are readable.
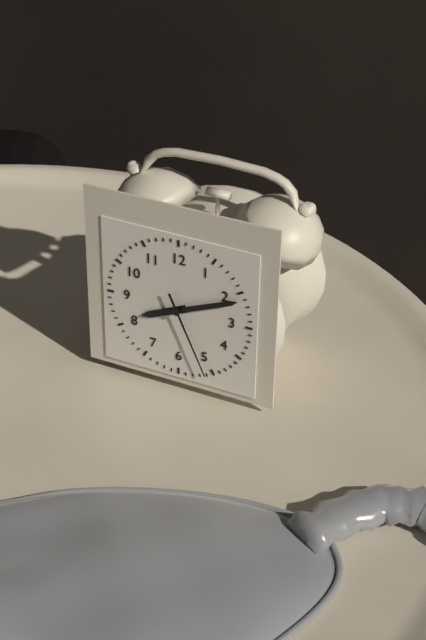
8:11:26
